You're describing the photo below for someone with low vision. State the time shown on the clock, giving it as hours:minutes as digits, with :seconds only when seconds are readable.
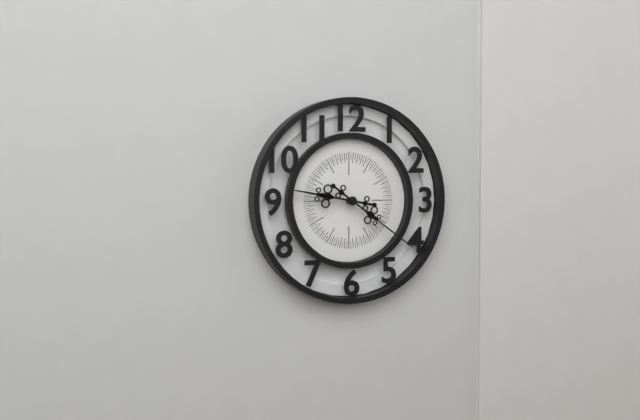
9:21
